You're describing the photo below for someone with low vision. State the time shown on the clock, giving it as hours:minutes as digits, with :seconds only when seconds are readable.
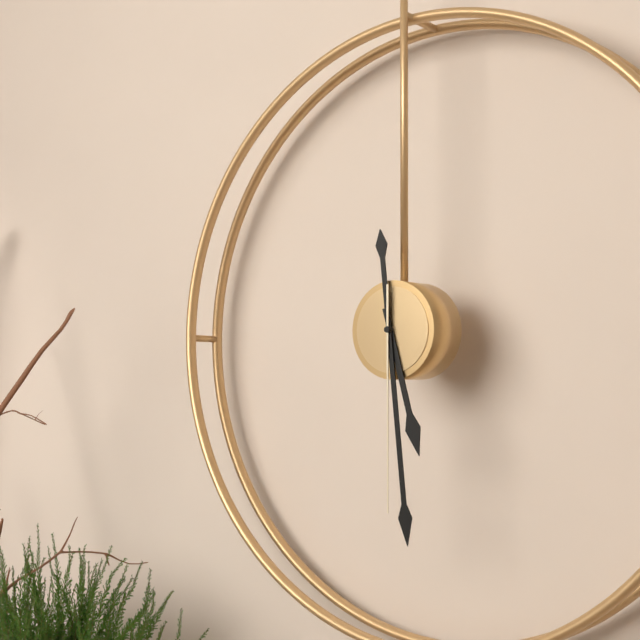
5:29:30
